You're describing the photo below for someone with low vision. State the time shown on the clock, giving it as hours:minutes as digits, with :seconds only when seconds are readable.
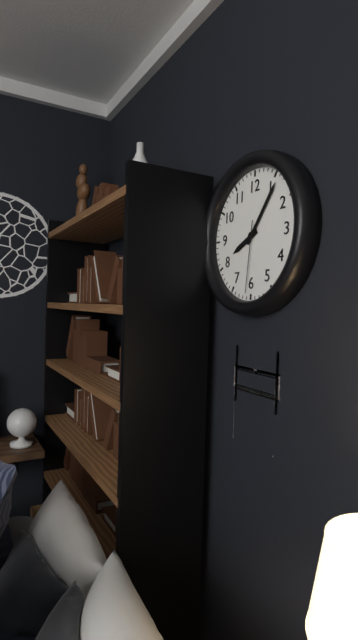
8:06:31
